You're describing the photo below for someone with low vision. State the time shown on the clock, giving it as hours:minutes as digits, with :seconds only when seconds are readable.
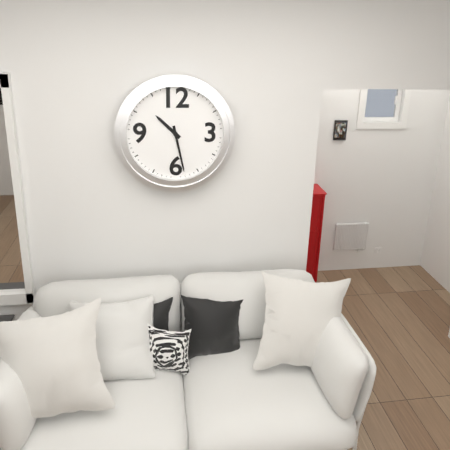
10:28
